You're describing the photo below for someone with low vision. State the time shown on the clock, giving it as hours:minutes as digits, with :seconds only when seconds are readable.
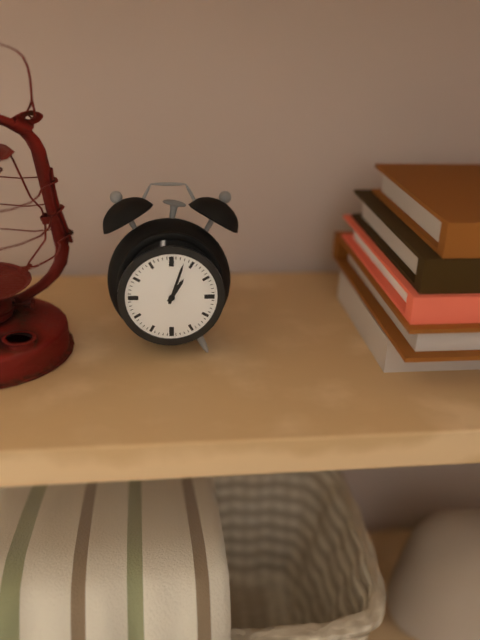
1:03
